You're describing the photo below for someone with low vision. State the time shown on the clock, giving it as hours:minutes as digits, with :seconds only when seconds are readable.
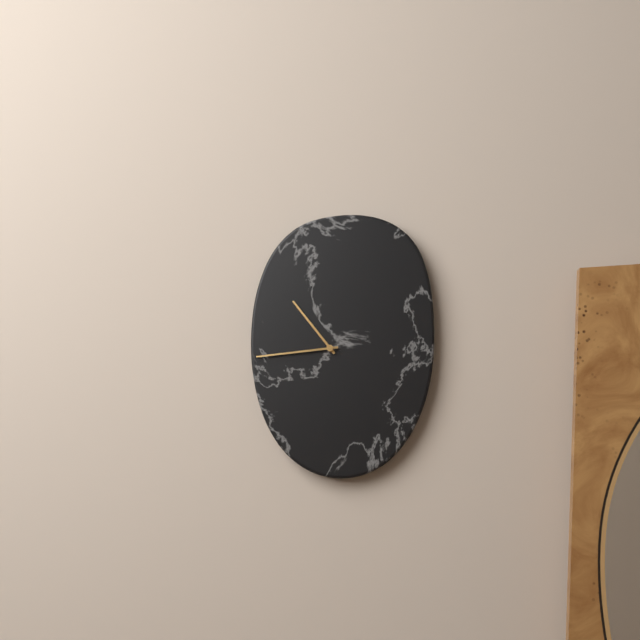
10:44
